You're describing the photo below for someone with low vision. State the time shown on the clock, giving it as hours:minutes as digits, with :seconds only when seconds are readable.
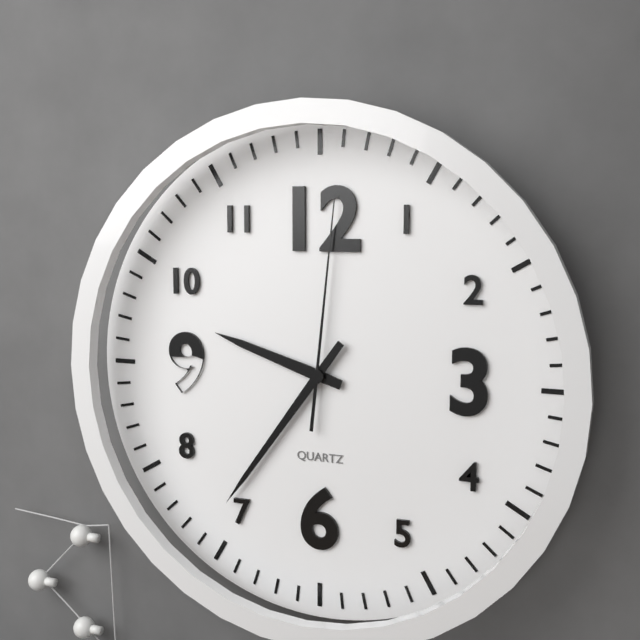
9:36:01
